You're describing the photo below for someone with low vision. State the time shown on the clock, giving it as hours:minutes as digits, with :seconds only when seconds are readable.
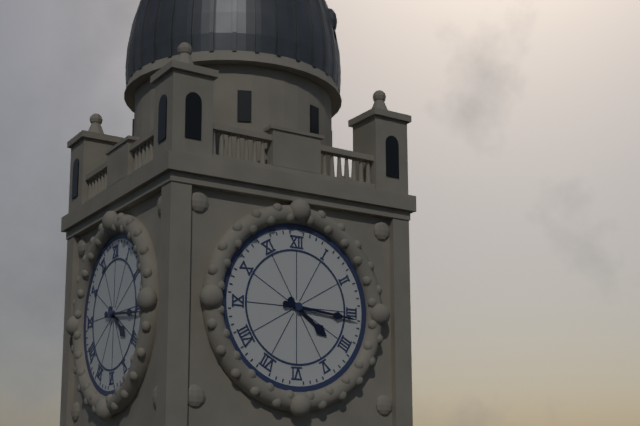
4:16
